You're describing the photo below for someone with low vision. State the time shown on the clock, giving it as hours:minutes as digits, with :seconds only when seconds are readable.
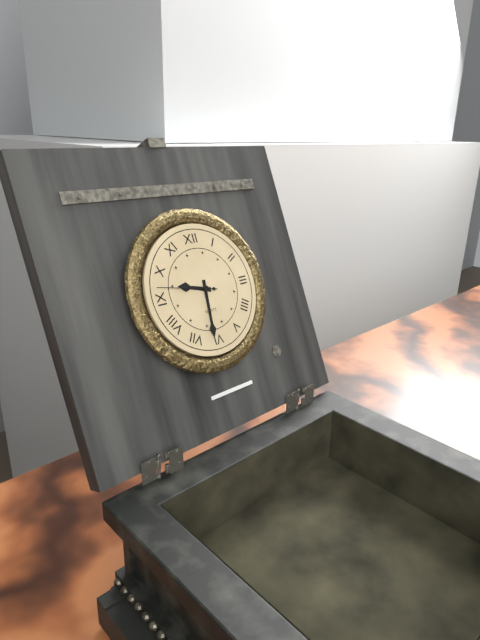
9:31:47
